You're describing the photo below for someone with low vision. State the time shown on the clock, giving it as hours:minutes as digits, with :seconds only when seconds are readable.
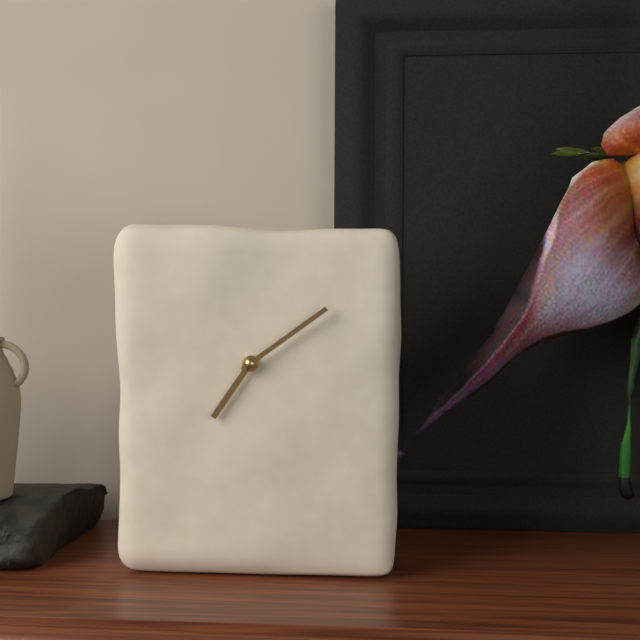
7:09
